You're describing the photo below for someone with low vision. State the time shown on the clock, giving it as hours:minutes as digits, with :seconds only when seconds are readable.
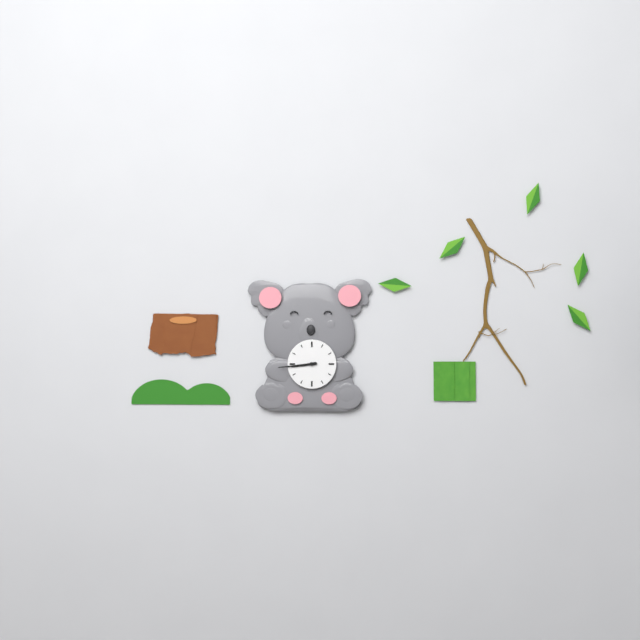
8:44
